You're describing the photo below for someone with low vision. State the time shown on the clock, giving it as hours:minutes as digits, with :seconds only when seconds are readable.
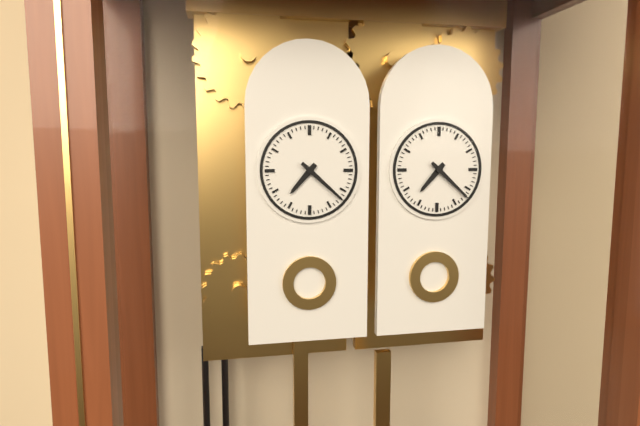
7:22
